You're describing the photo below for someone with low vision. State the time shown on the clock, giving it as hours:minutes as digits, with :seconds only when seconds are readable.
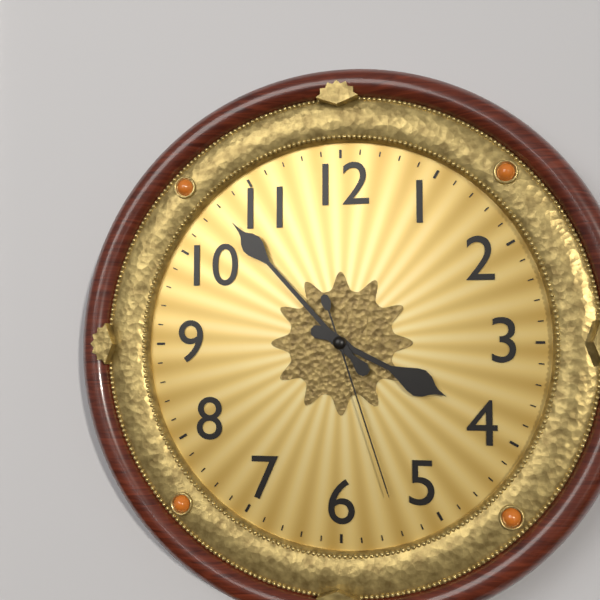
3:53:27
